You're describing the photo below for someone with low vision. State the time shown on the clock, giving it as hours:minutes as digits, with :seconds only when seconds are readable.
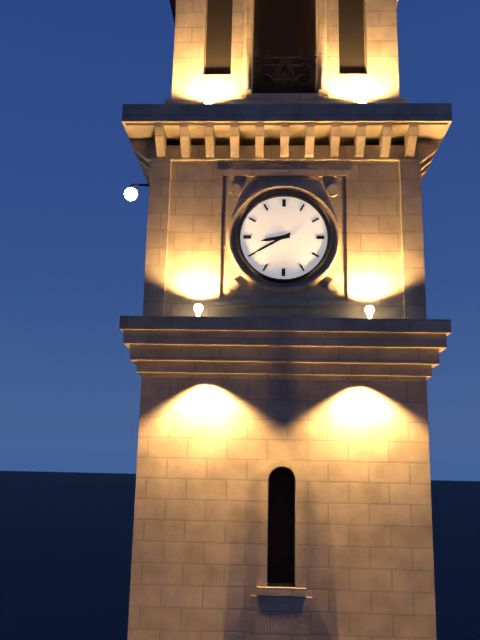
8:40
